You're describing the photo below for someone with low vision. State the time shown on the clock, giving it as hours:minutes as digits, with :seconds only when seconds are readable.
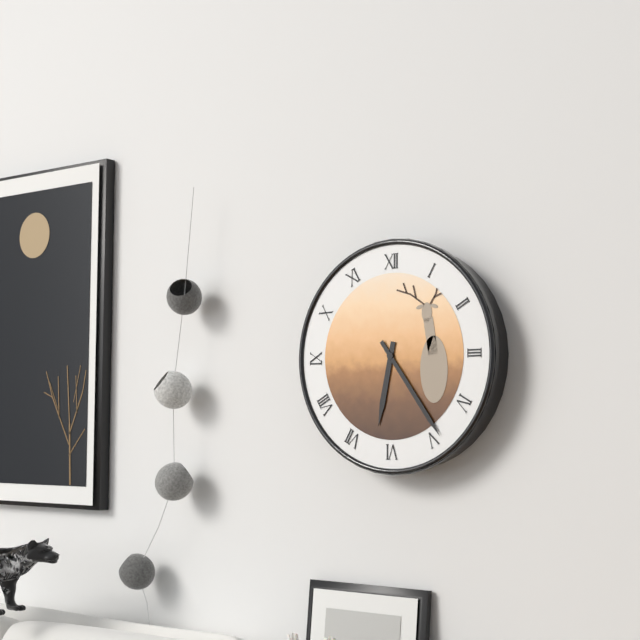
6:24
